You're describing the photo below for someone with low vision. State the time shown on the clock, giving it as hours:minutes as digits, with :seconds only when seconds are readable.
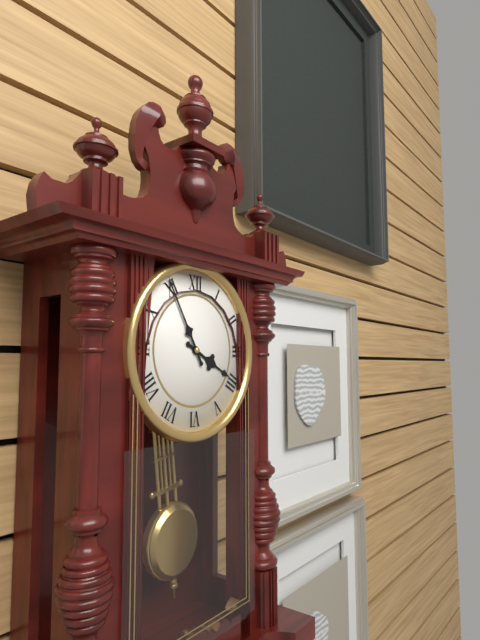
3:55
